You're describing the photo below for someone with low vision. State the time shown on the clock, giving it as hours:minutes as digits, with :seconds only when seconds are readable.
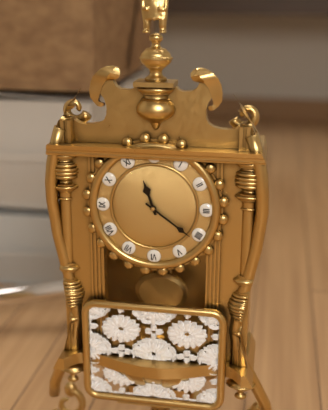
11:21
